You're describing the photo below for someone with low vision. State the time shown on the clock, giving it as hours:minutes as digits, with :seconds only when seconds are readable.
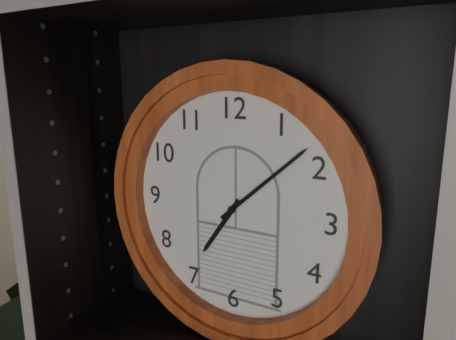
7:08
